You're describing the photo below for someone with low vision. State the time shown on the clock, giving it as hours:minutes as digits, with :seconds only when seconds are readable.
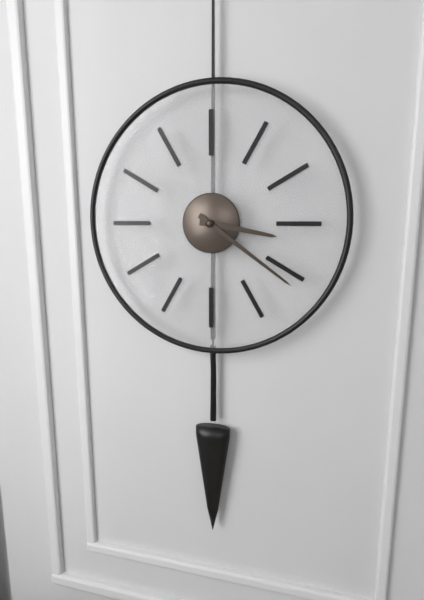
3:21
